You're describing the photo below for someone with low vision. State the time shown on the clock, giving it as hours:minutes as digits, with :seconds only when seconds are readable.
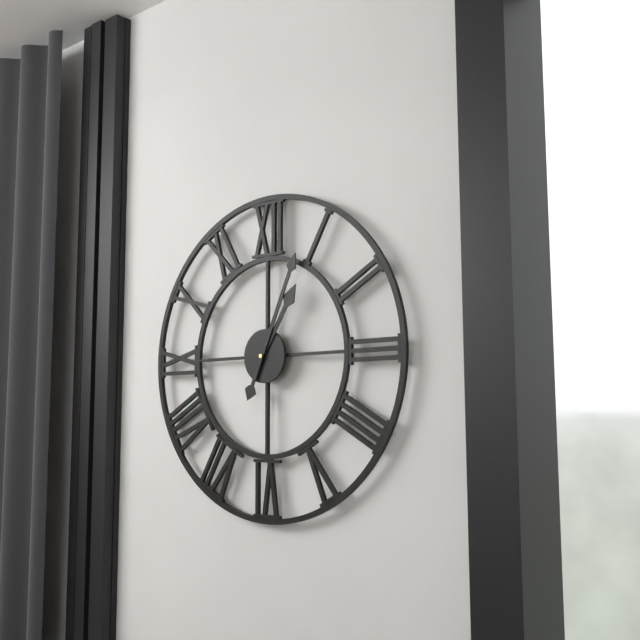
1:04
